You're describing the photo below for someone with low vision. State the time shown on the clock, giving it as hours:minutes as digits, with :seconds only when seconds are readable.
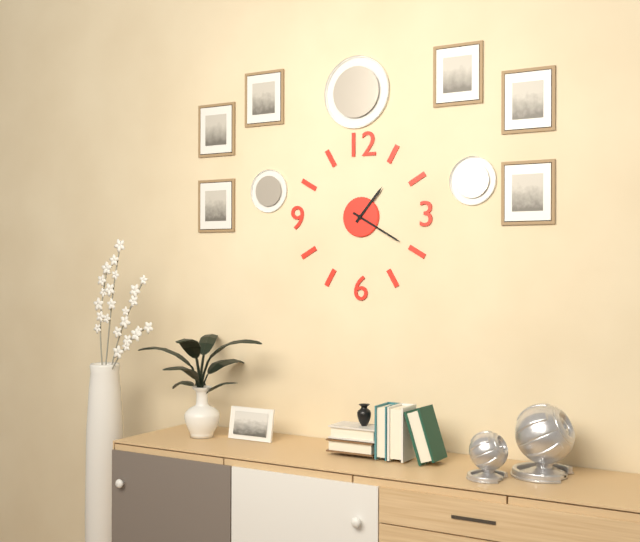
1:20
